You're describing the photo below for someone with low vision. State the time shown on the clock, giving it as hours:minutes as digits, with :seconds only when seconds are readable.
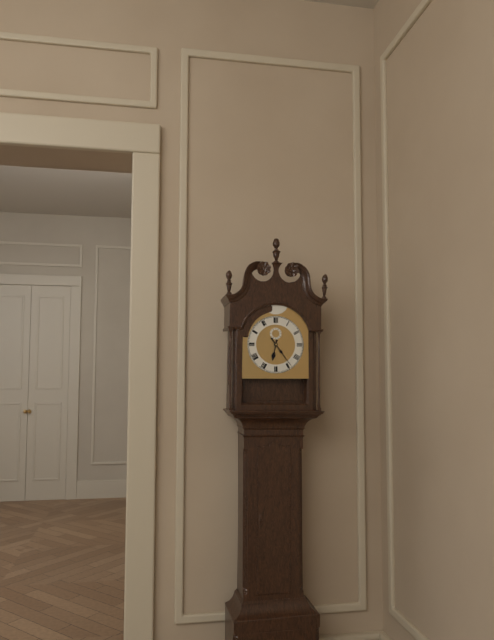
6:24
